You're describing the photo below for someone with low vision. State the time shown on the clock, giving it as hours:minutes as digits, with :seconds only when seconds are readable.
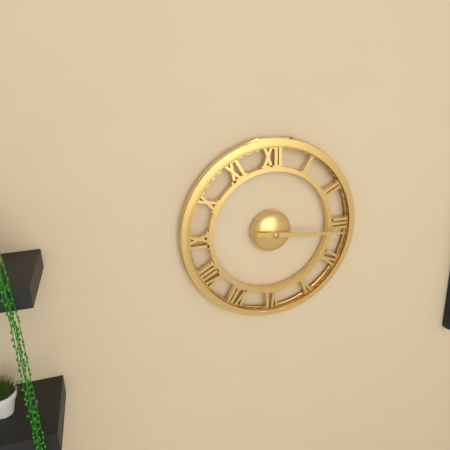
3:16
